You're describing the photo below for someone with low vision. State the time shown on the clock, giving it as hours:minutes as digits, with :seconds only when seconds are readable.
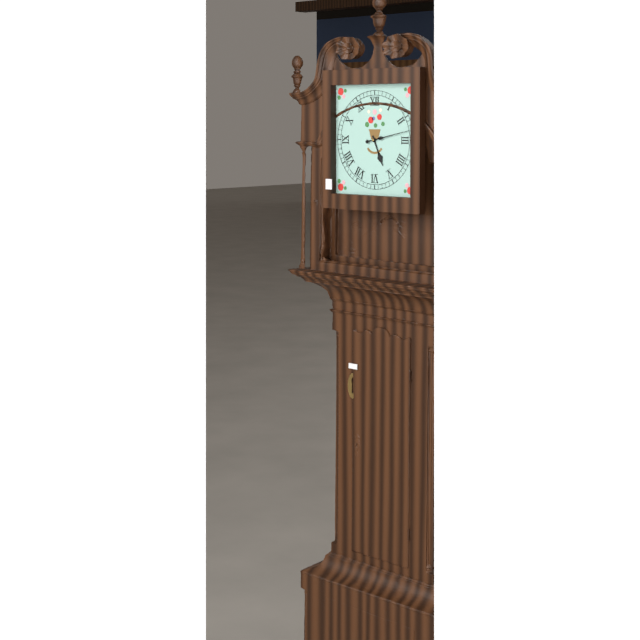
5:13
